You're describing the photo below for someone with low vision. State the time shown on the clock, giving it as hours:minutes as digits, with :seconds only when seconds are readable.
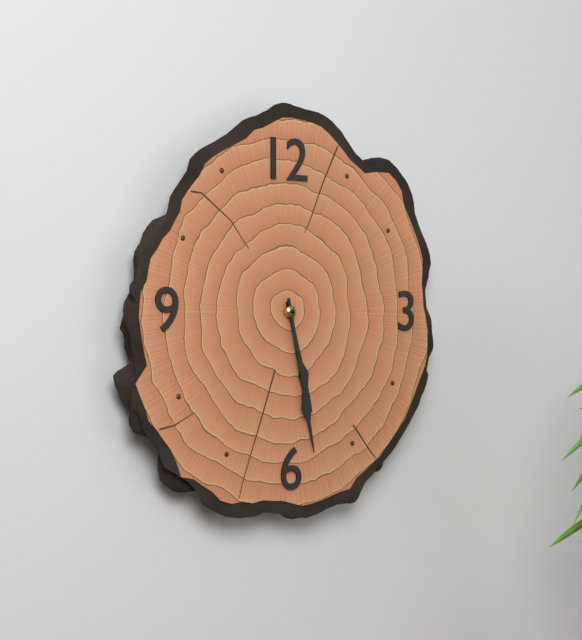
5:28
